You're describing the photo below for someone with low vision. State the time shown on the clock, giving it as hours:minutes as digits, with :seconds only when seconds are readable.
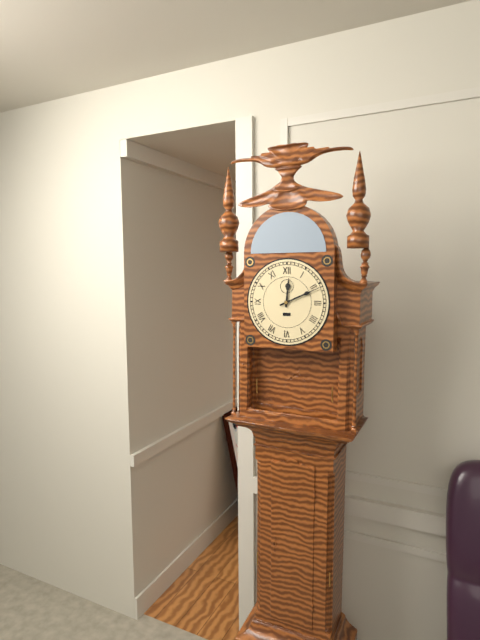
12:11
